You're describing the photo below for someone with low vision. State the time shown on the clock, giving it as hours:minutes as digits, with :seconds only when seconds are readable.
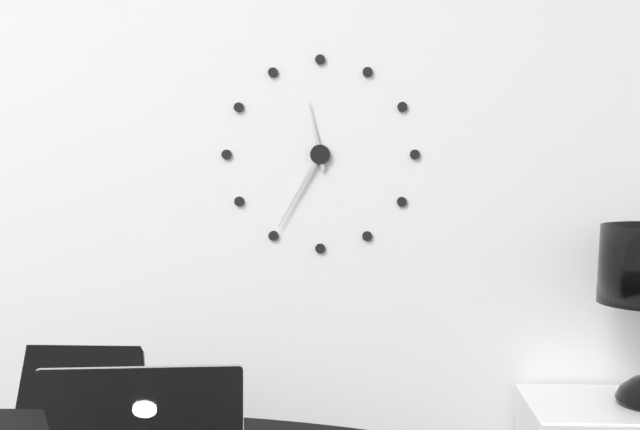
11:35
